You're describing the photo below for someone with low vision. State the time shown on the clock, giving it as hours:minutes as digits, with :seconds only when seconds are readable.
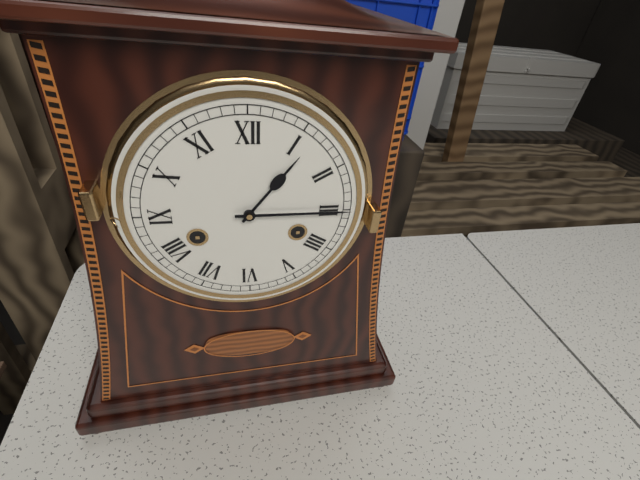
1:15
